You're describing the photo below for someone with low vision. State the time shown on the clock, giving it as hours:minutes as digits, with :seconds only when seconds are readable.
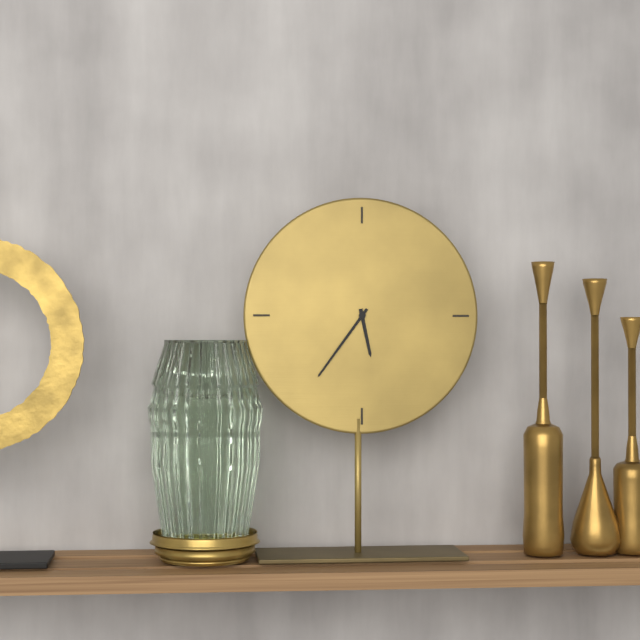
5:36
